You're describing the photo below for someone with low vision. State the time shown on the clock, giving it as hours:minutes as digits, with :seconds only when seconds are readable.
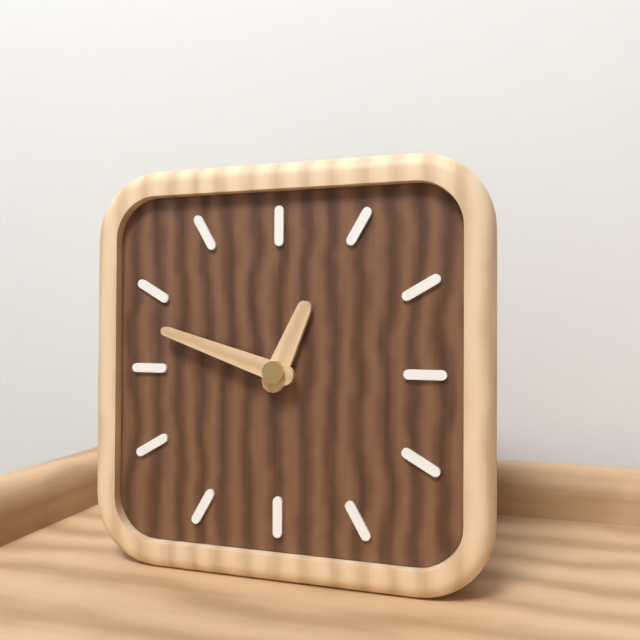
12:48
